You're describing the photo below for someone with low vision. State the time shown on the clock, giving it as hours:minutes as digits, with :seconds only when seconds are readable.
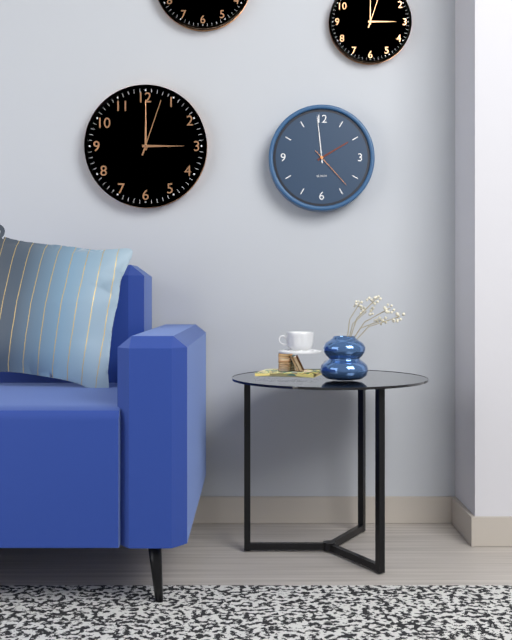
1:59
